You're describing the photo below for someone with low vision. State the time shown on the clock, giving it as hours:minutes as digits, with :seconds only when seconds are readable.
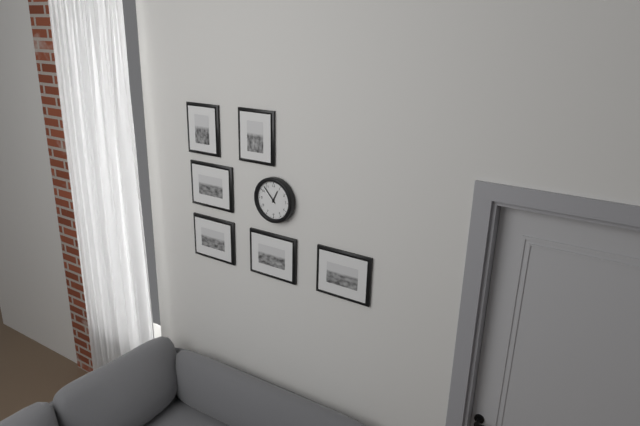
12:53
